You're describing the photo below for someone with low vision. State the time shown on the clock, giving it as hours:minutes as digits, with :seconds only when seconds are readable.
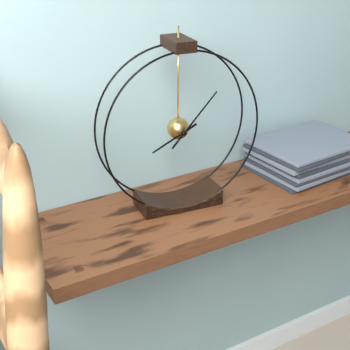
8:07
